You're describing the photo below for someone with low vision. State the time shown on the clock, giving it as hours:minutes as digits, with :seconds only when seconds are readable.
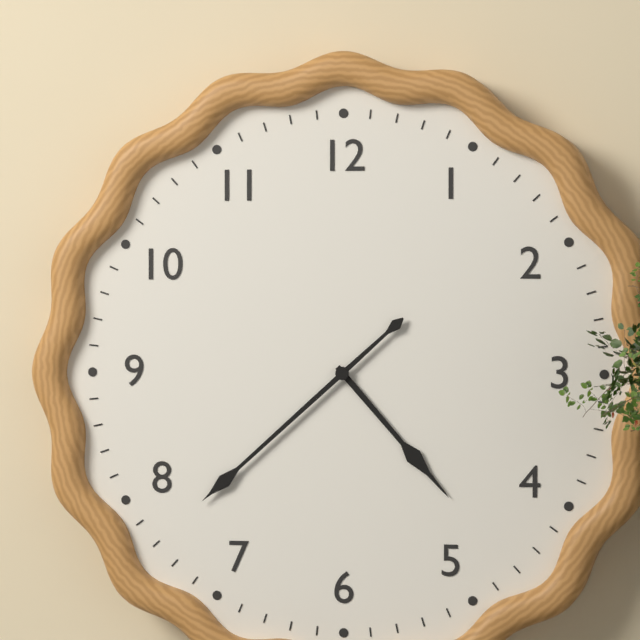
4:38
